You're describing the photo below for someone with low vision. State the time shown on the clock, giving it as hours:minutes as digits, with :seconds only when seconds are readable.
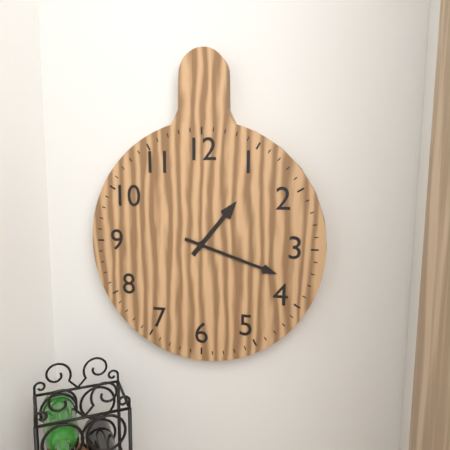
1:18
